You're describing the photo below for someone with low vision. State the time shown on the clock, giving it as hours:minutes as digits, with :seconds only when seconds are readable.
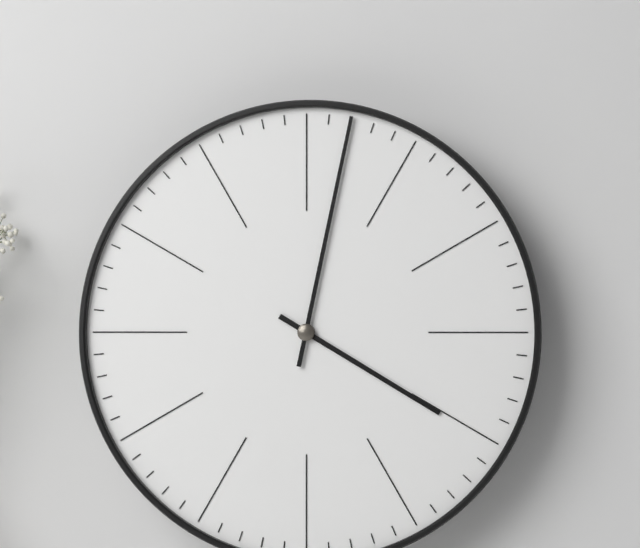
4:02
